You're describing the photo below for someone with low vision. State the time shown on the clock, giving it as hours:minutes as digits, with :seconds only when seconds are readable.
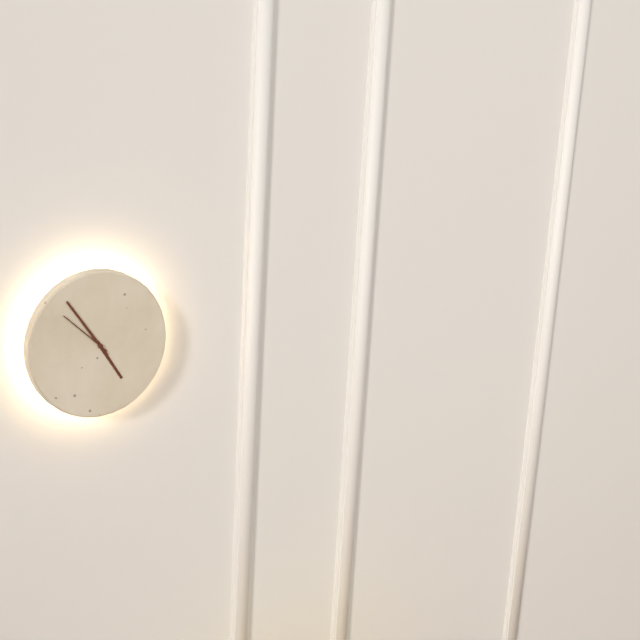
4:54:52
